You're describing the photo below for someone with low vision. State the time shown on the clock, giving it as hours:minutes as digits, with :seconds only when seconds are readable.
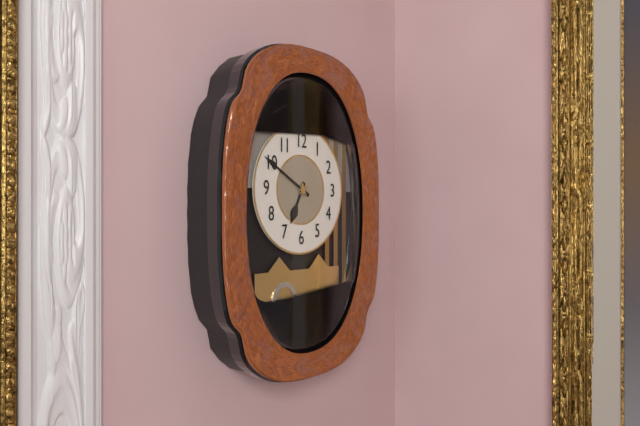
6:50
